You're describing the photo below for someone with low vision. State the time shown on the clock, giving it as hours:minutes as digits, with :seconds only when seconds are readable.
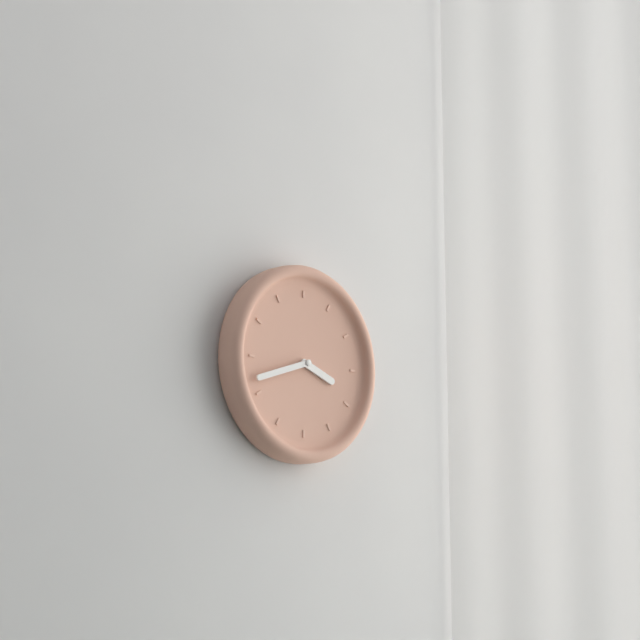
3:42
